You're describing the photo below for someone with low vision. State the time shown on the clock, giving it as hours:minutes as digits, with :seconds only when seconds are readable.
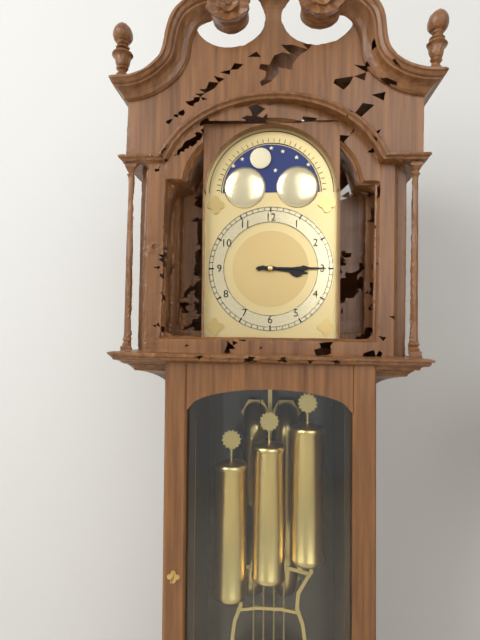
3:15
